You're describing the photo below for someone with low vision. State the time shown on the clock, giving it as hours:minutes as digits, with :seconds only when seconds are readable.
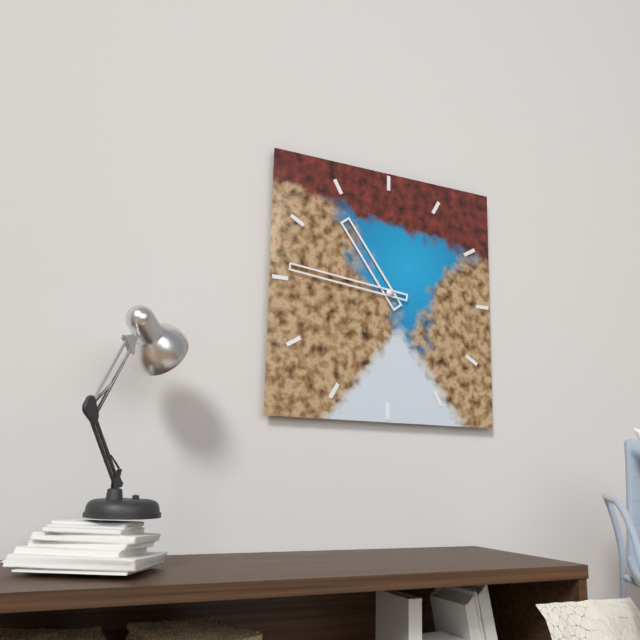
10:46
